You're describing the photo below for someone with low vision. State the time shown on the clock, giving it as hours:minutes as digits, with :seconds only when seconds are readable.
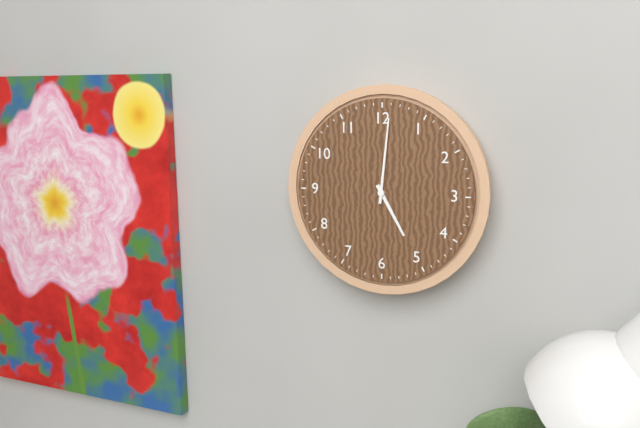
5:01
